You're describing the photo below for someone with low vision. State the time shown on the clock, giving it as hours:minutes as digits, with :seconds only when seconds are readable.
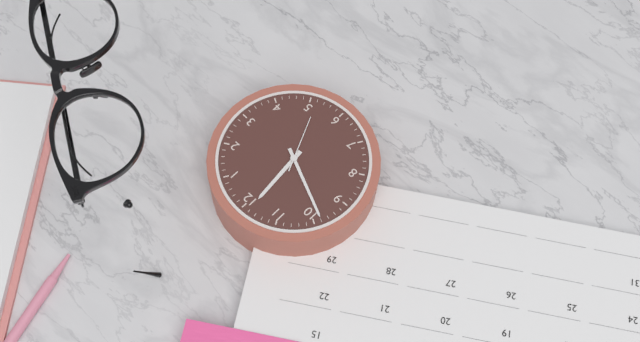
11:49:26
